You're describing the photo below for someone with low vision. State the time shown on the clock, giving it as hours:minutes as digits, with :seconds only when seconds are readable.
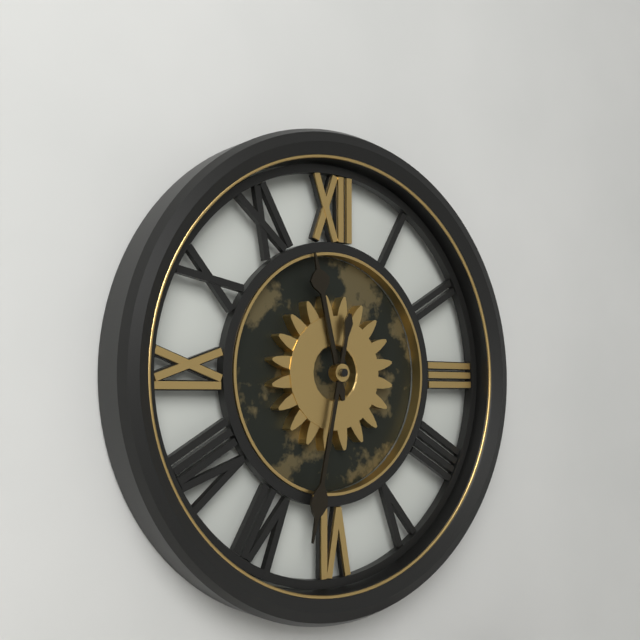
11:32
